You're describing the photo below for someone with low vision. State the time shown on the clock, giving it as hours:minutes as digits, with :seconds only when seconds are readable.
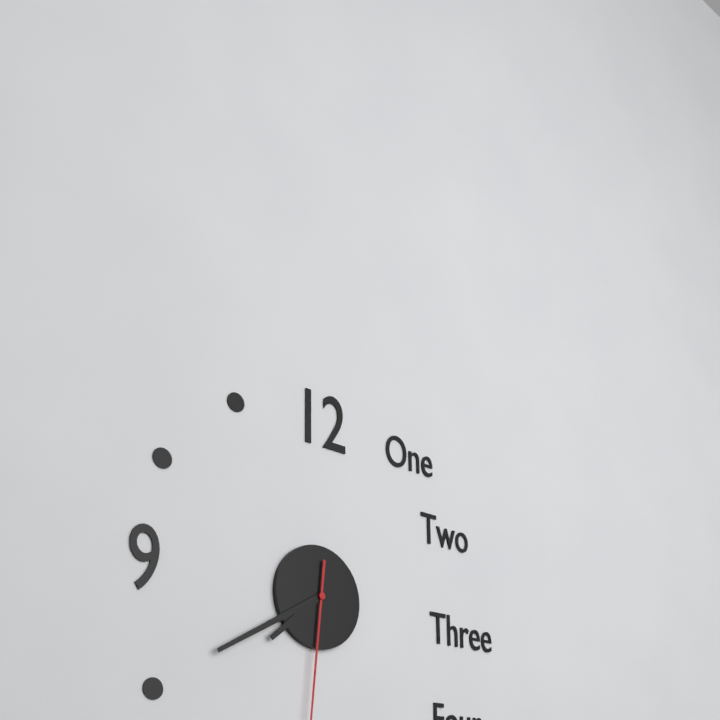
7:40
